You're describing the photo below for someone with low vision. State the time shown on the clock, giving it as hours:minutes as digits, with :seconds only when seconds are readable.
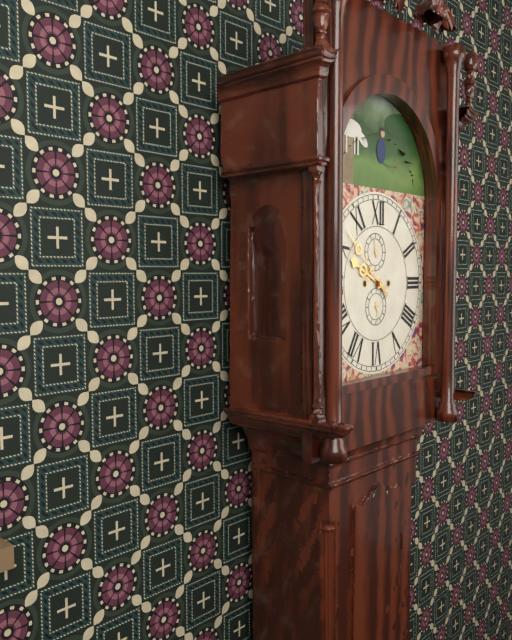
9:52
